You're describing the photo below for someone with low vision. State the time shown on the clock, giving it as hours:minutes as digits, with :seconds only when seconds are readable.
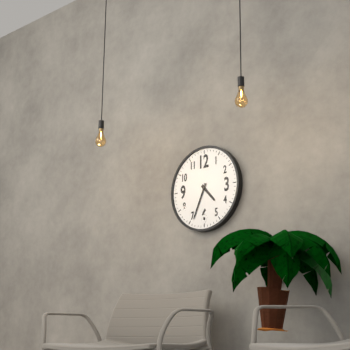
4:34
